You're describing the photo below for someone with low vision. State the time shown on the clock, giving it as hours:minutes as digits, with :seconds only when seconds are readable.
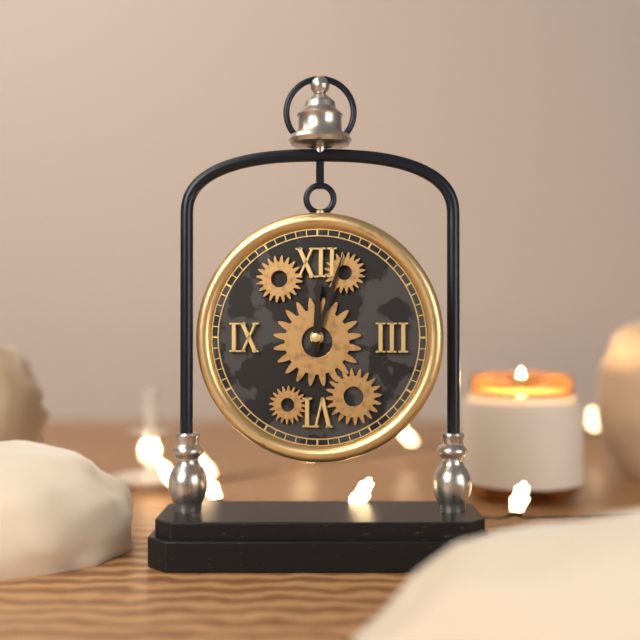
12:03
